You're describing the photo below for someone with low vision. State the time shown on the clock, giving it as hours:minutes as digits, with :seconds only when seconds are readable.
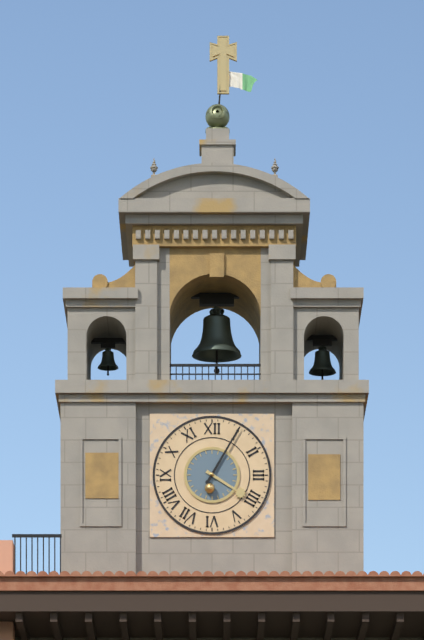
4:05
